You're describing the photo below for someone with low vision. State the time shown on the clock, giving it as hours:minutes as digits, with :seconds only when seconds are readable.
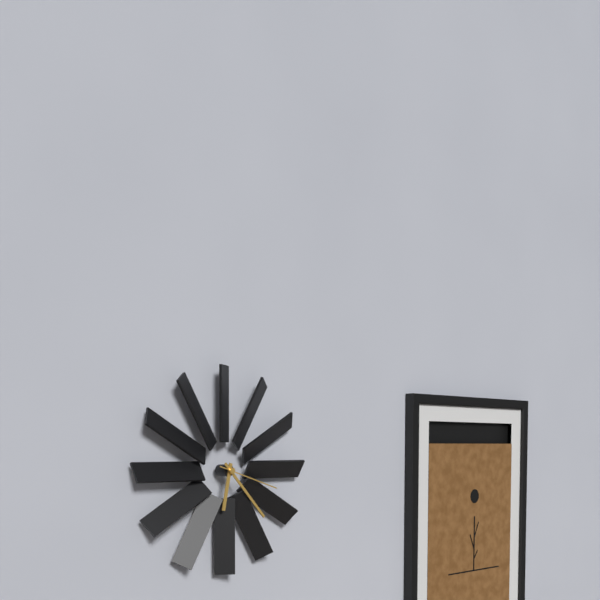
6:23:18
